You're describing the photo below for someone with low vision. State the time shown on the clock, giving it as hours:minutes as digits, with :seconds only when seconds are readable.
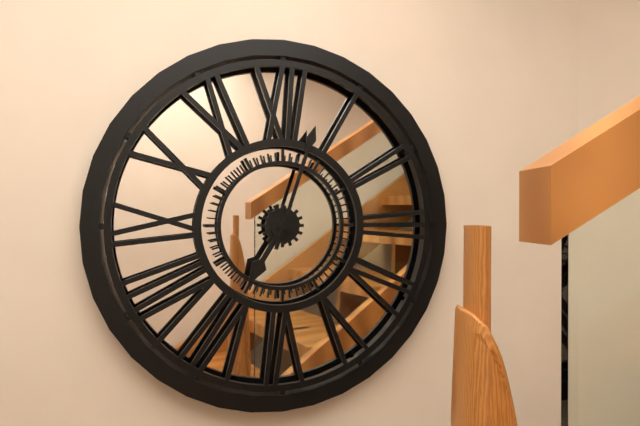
7:03
